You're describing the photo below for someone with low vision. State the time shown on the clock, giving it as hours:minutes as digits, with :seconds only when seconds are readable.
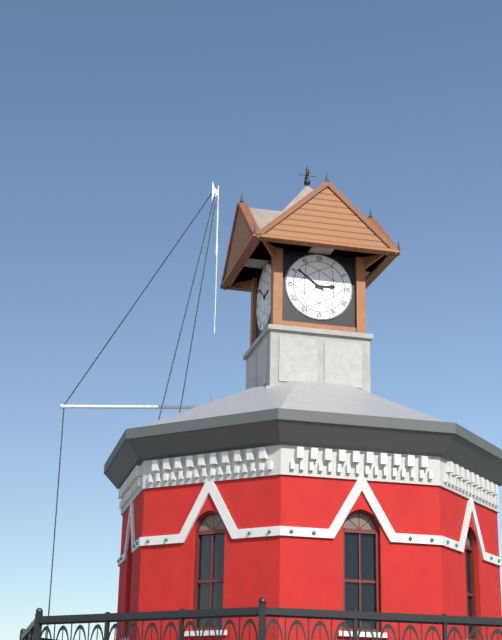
2:51
